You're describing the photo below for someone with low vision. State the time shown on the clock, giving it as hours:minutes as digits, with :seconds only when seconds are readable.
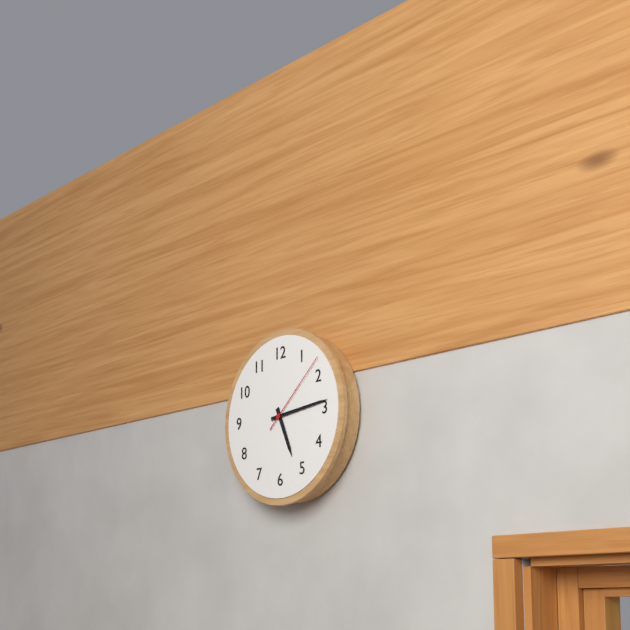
5:14:08
